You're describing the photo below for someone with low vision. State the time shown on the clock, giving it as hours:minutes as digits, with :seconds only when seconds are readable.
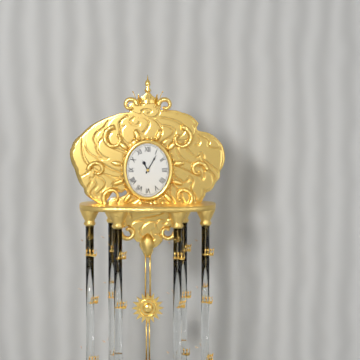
11:05
